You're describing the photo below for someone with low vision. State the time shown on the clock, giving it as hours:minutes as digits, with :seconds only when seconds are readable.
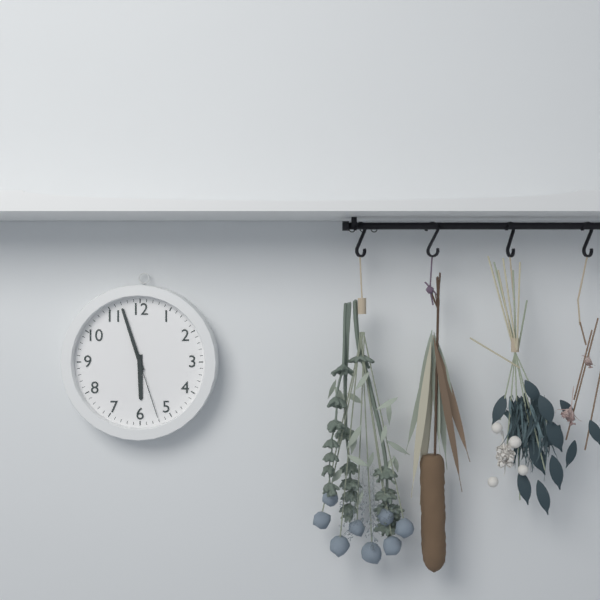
5:57:27
